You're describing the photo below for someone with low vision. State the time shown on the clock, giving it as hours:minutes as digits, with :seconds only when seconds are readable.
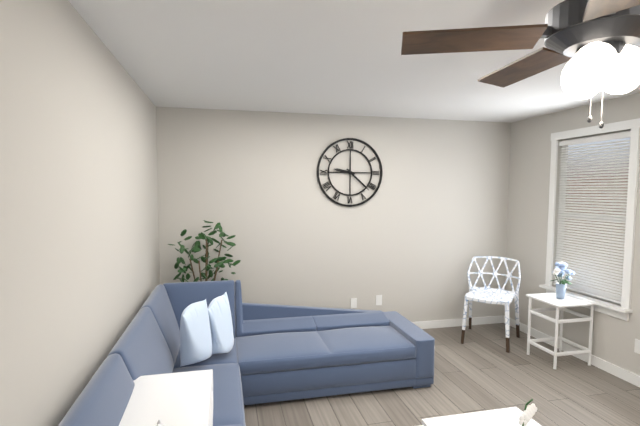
9:22
